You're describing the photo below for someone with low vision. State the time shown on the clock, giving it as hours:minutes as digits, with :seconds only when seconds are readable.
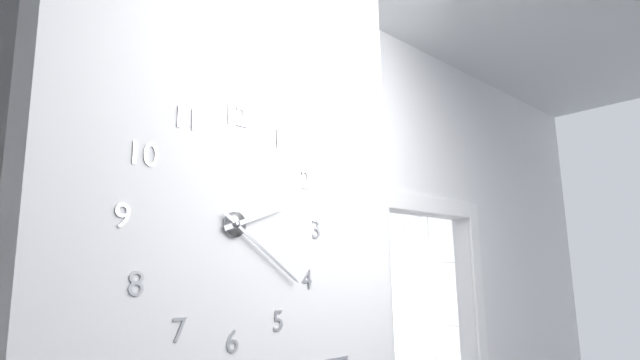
2:21
